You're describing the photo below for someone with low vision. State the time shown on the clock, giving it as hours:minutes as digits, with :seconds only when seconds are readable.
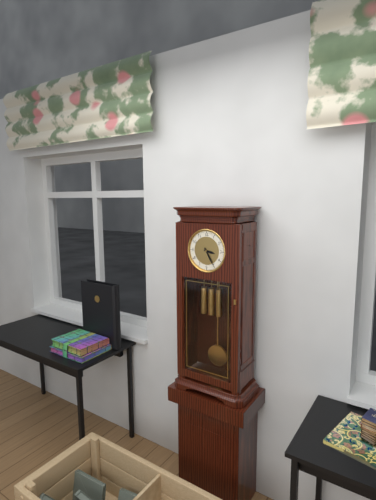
3:25
